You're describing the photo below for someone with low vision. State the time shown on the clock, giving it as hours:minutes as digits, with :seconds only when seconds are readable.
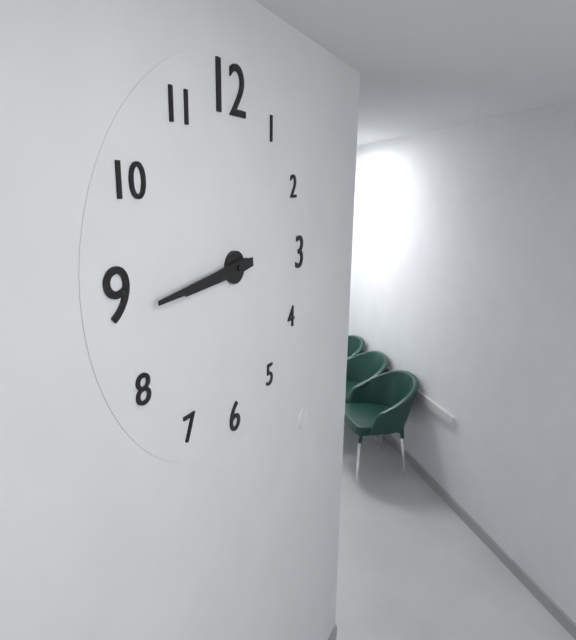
8:44
